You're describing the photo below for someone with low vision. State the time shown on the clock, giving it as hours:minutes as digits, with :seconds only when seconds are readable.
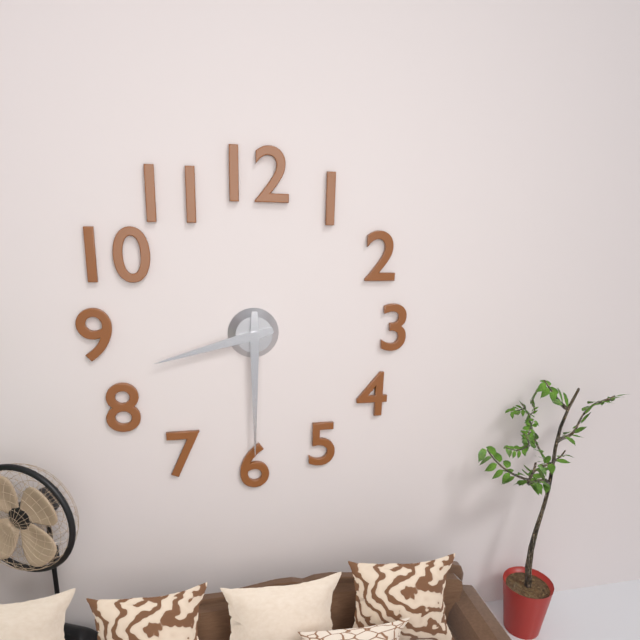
8:30
